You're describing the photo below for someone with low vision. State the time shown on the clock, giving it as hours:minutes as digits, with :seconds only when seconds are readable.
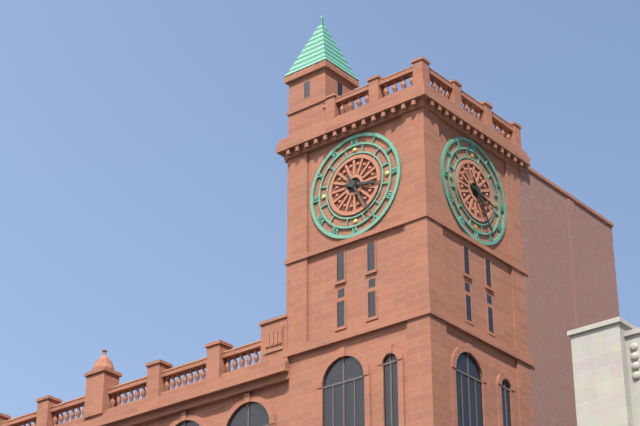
3:25
